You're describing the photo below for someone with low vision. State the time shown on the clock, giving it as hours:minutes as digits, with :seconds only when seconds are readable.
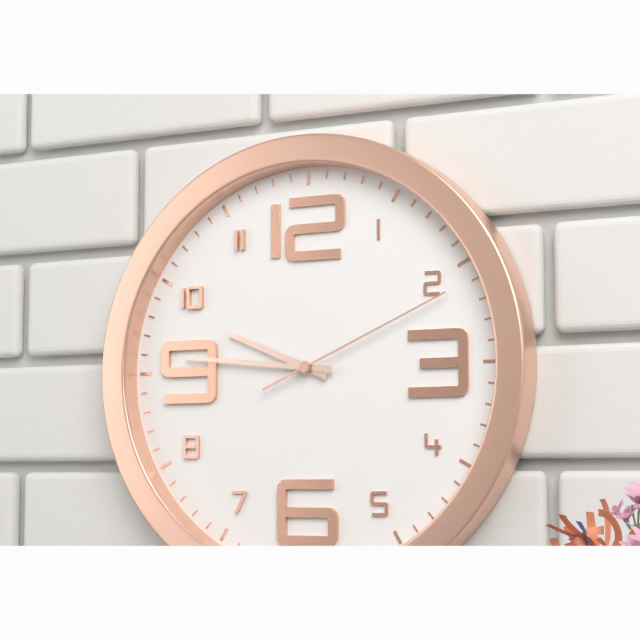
9:46:11
